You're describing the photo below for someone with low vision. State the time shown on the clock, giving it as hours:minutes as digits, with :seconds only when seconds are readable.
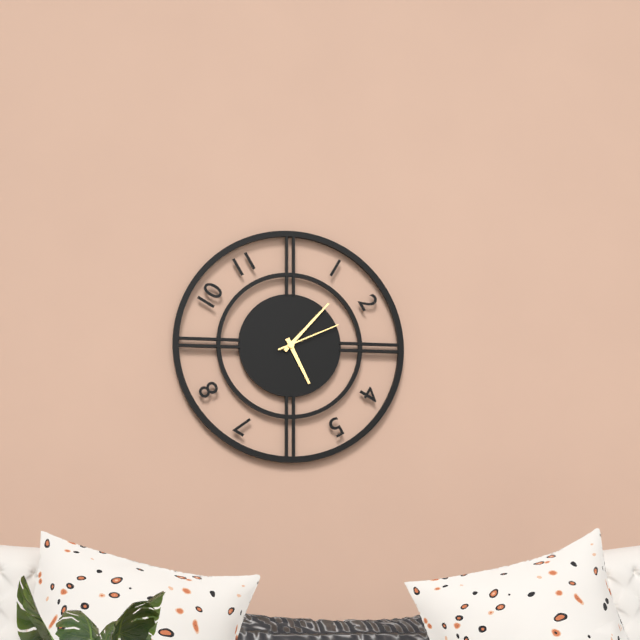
5:07:11
